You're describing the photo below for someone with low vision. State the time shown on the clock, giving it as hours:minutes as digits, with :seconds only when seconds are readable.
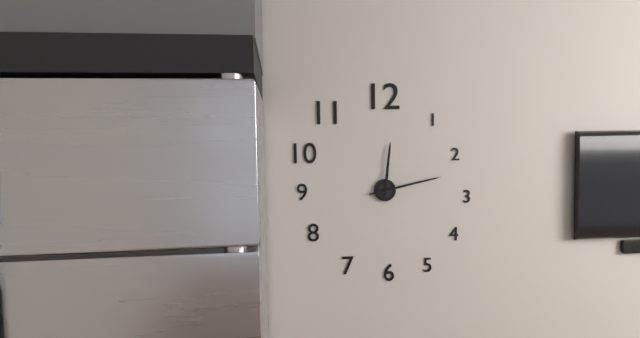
12:13
